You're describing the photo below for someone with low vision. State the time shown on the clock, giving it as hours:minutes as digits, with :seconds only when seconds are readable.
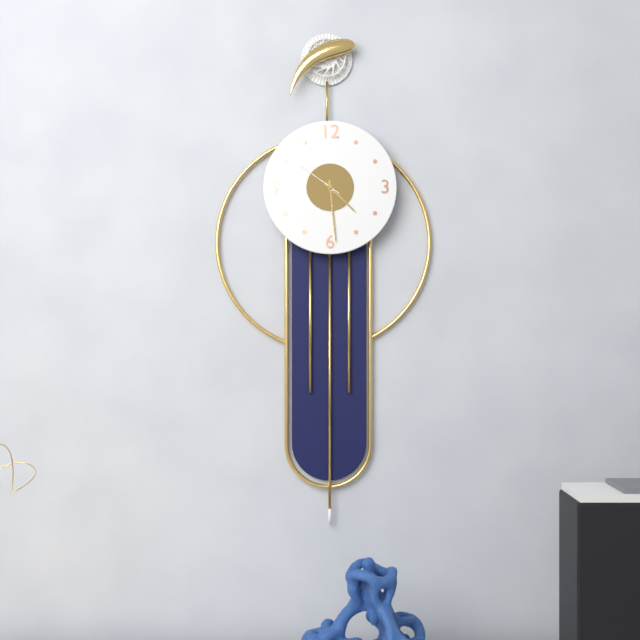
4:29:51
